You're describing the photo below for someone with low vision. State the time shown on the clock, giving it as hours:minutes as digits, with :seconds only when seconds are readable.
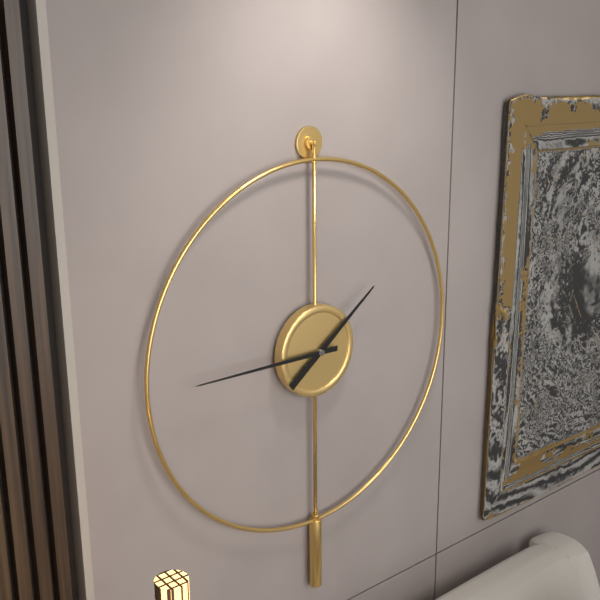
1:45
